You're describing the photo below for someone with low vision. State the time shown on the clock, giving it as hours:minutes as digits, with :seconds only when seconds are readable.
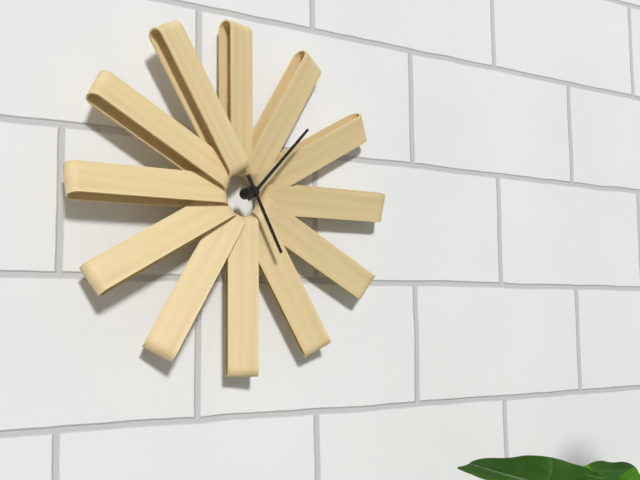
5:07
